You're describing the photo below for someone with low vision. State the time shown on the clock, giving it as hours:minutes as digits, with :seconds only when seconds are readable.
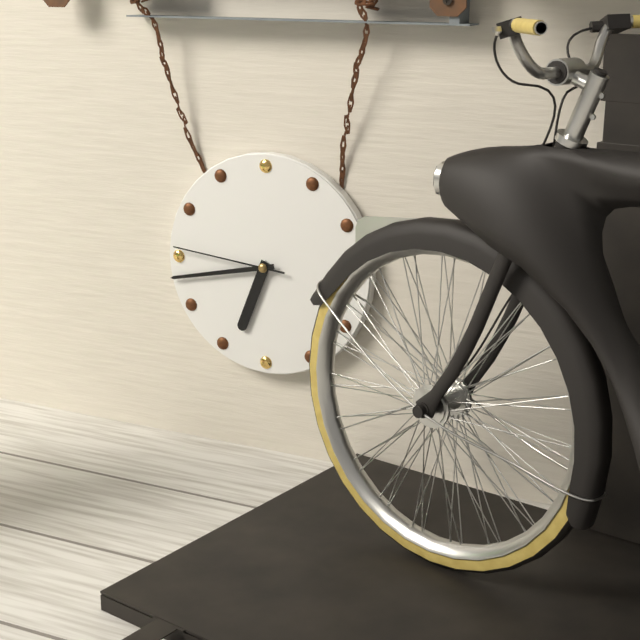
6:43:46
